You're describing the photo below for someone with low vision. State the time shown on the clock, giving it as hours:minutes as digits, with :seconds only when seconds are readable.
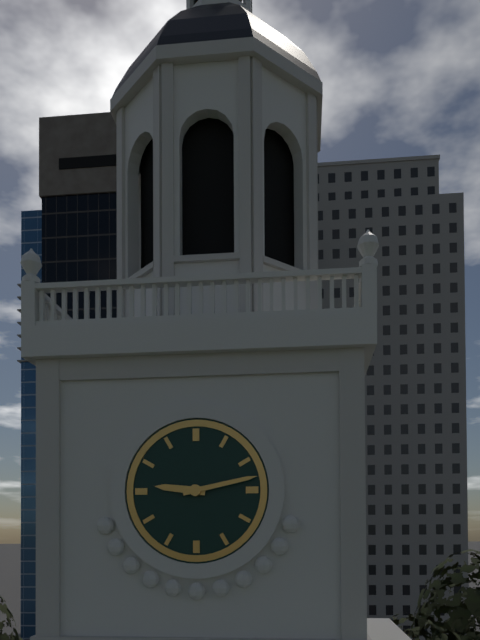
9:13
